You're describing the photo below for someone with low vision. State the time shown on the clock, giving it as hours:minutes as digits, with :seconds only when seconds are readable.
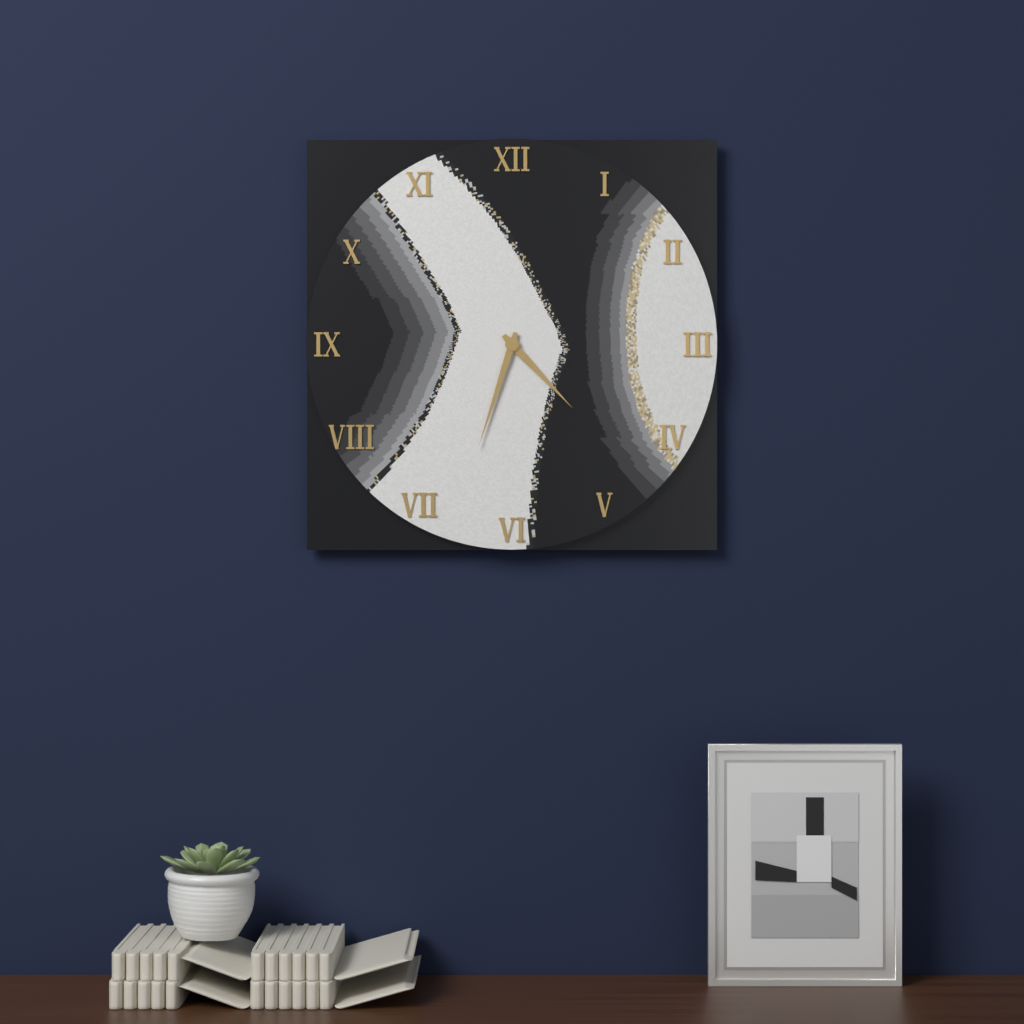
4:33
